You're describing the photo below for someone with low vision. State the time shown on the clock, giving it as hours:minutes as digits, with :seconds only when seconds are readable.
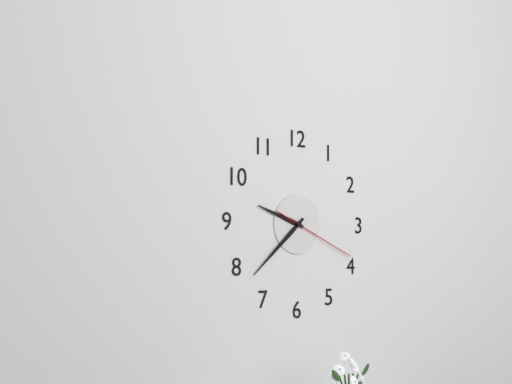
9:38:19
